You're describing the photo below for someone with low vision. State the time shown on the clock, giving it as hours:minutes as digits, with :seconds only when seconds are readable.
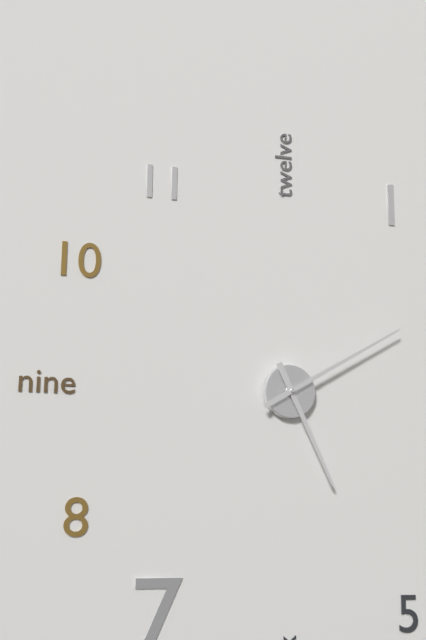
5:10
